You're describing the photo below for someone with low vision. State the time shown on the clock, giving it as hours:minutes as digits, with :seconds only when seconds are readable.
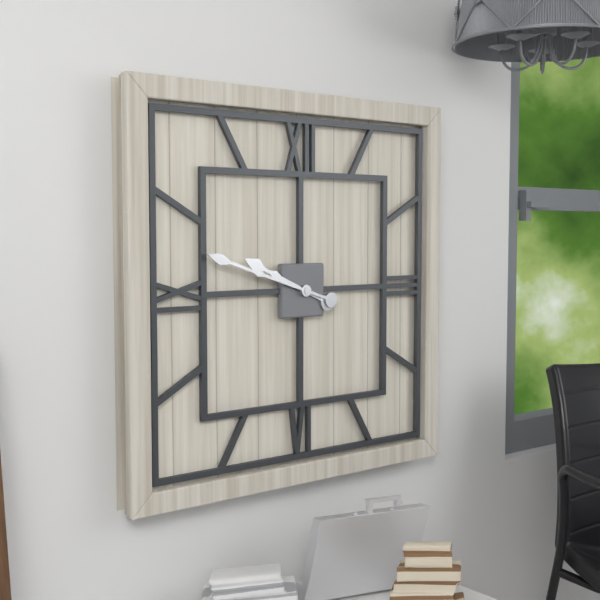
9:48
